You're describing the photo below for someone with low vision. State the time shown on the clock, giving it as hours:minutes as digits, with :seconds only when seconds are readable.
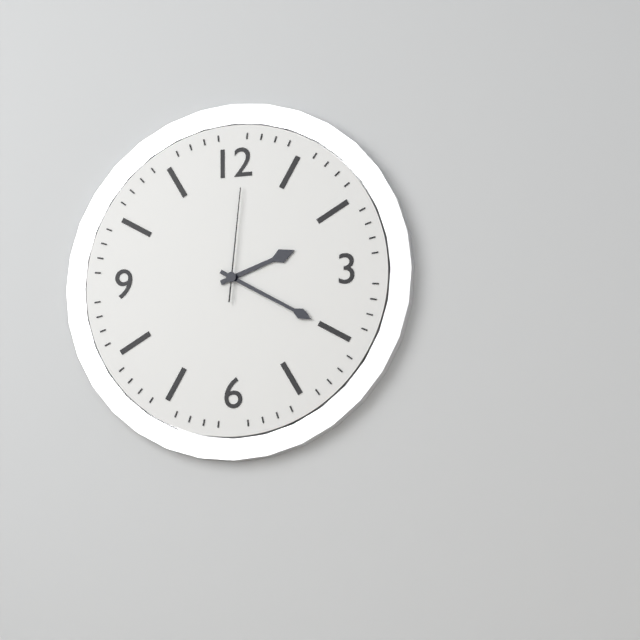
2:20:01
